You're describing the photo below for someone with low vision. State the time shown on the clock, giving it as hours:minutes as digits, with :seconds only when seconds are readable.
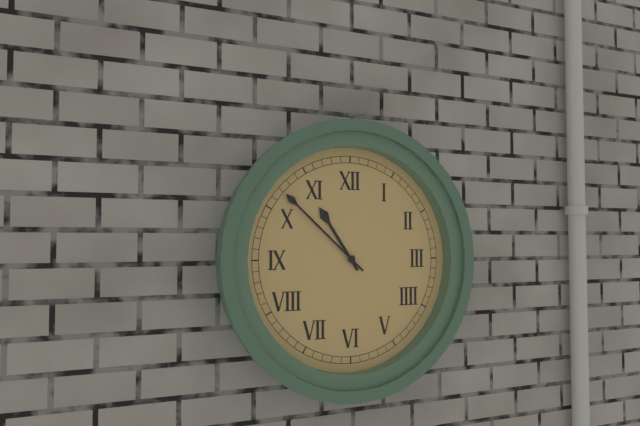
10:52
